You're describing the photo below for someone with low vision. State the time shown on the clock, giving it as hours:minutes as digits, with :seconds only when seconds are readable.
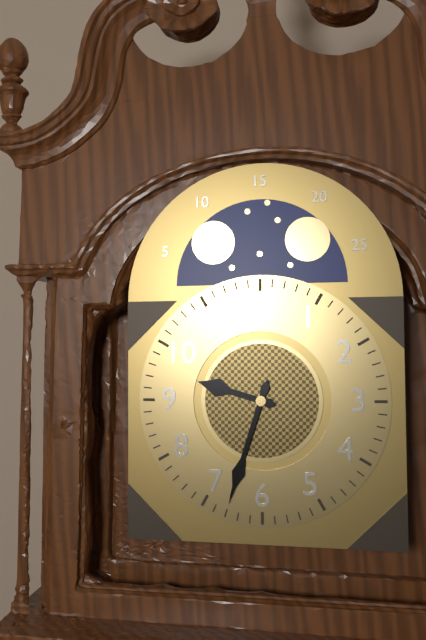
9:33
